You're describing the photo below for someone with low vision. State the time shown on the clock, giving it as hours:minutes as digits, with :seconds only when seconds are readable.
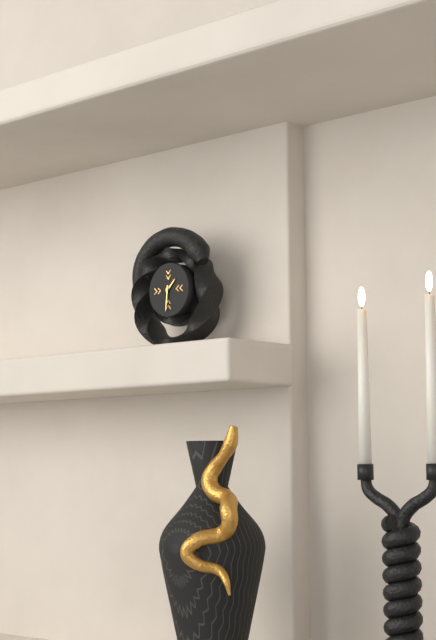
1:31
